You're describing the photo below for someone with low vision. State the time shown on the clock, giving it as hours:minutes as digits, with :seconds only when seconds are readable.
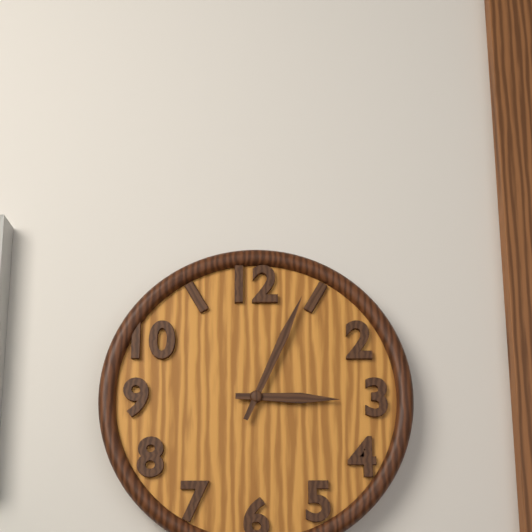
3:04
